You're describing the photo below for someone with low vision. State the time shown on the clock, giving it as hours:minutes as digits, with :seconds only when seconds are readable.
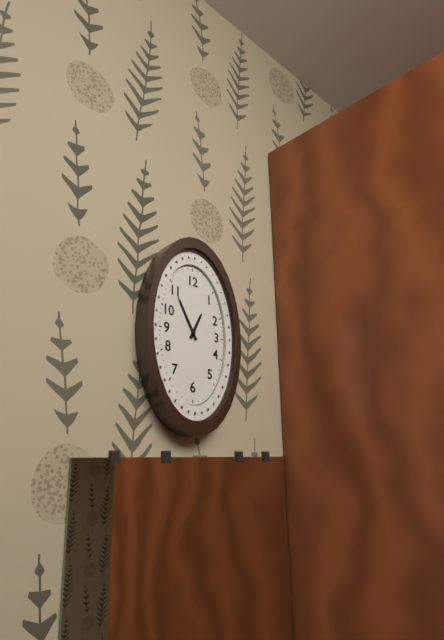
12:55
